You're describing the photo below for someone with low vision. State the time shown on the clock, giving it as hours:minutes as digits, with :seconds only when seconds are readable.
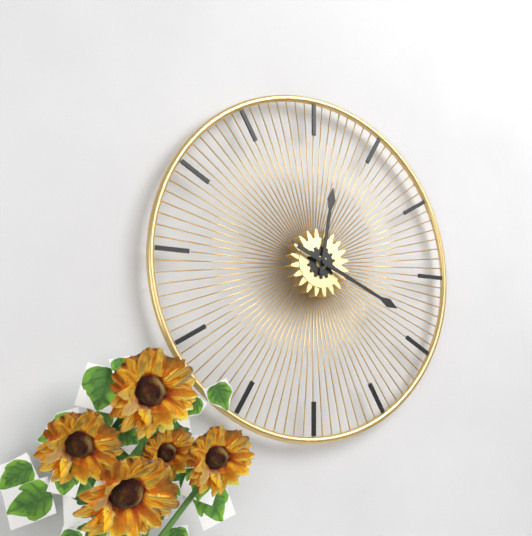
12:19
